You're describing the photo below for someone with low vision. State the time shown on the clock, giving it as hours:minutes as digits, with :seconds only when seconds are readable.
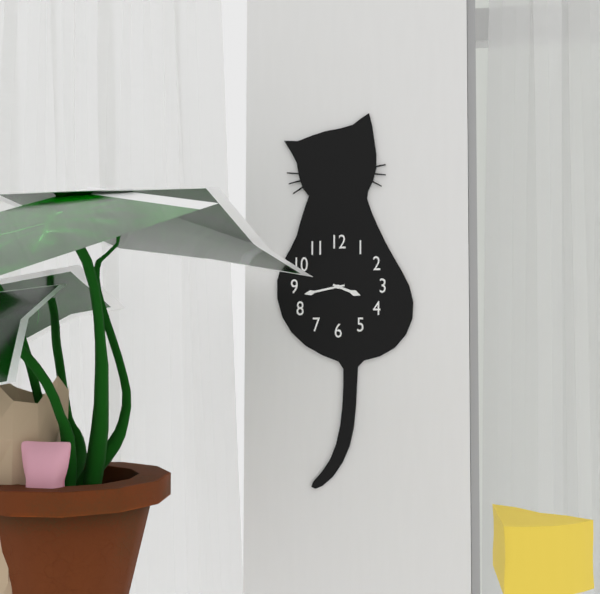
3:43
